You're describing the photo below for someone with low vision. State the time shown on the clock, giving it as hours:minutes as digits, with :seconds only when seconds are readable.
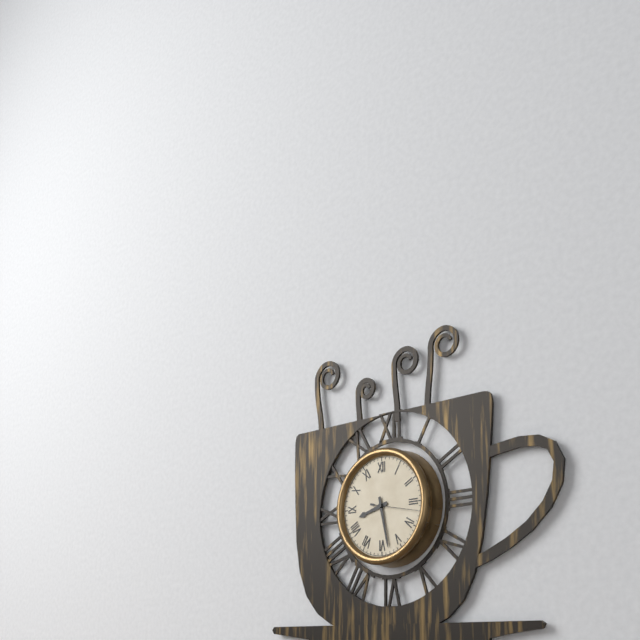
8:28
